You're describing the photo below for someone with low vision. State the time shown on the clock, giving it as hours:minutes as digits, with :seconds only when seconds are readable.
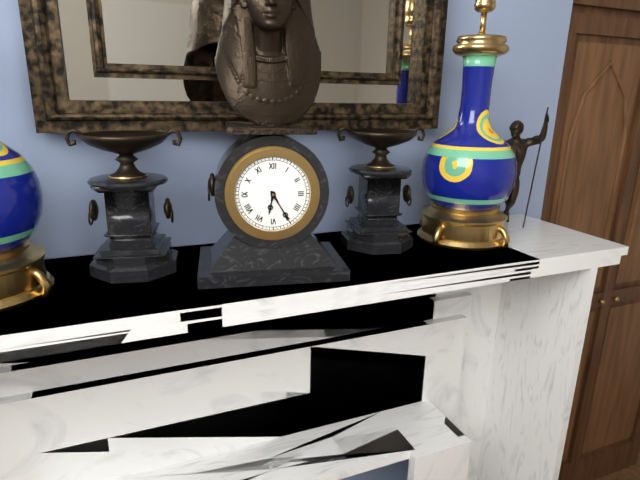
6:25
